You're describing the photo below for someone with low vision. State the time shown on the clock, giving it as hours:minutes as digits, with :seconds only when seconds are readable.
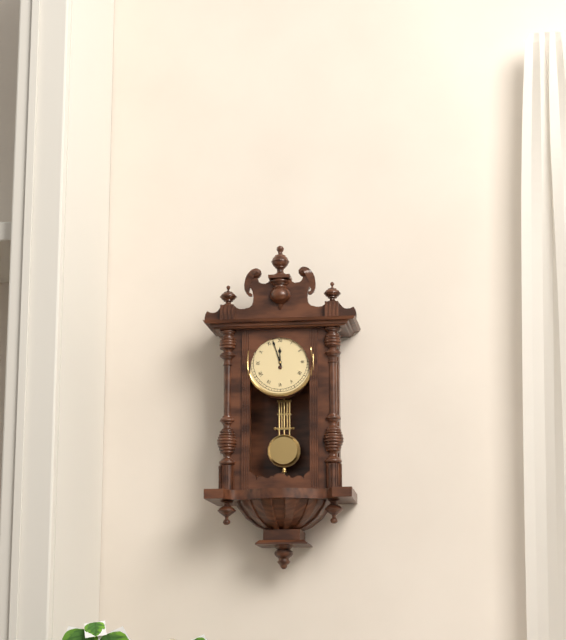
11:57
